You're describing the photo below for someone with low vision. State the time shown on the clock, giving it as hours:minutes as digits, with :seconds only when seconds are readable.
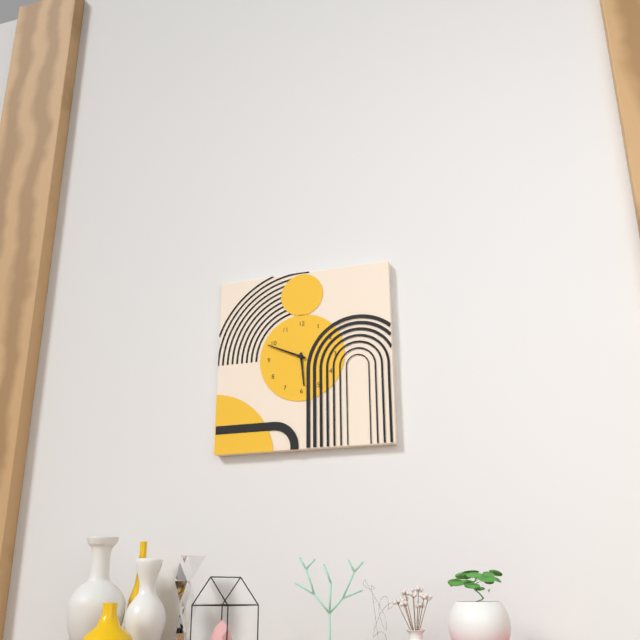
5:49
